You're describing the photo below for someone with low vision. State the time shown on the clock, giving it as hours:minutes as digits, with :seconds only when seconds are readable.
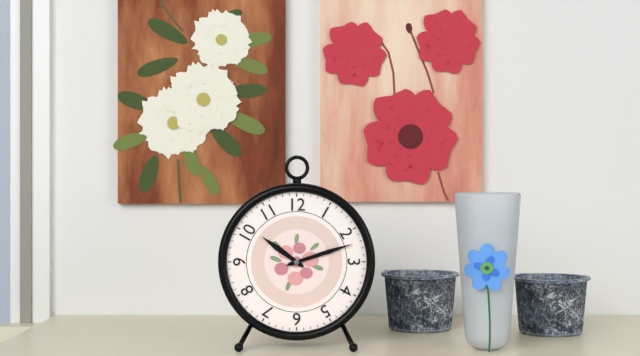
10:12
